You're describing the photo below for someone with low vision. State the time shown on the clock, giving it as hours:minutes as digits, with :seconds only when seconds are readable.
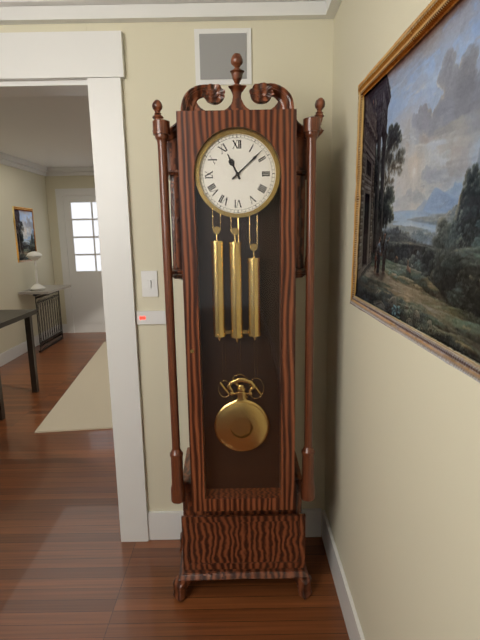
11:08
